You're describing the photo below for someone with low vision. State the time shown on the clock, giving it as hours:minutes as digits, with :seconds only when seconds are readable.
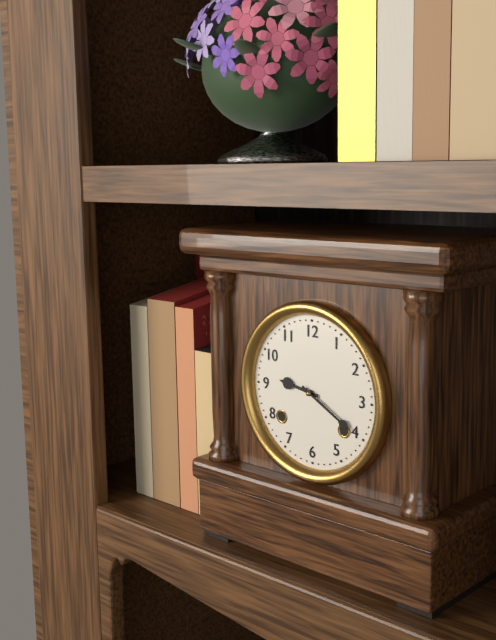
9:20
